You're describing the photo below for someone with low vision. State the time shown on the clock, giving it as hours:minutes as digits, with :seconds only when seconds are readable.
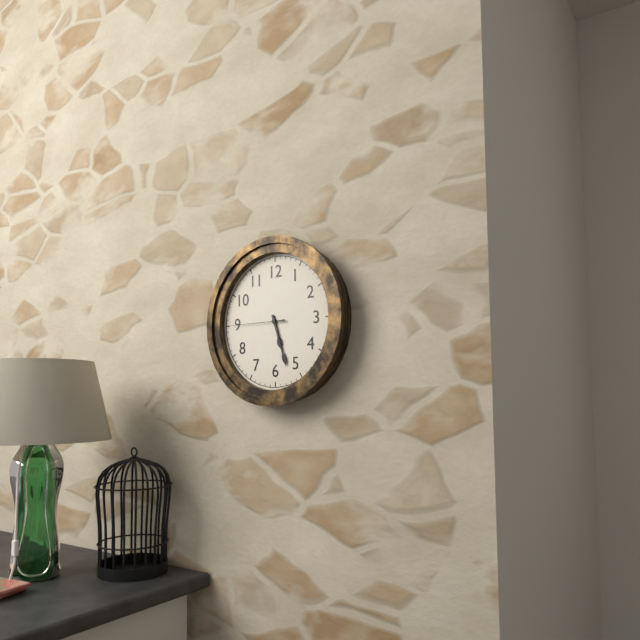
5:27:45
